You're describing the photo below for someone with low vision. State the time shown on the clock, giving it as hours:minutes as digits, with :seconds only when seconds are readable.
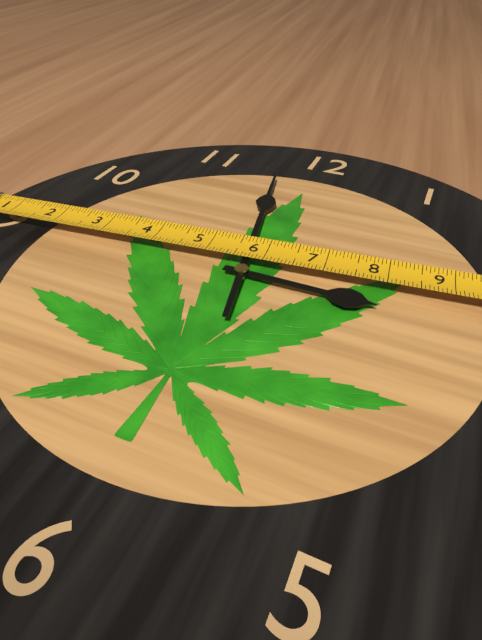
2:58
